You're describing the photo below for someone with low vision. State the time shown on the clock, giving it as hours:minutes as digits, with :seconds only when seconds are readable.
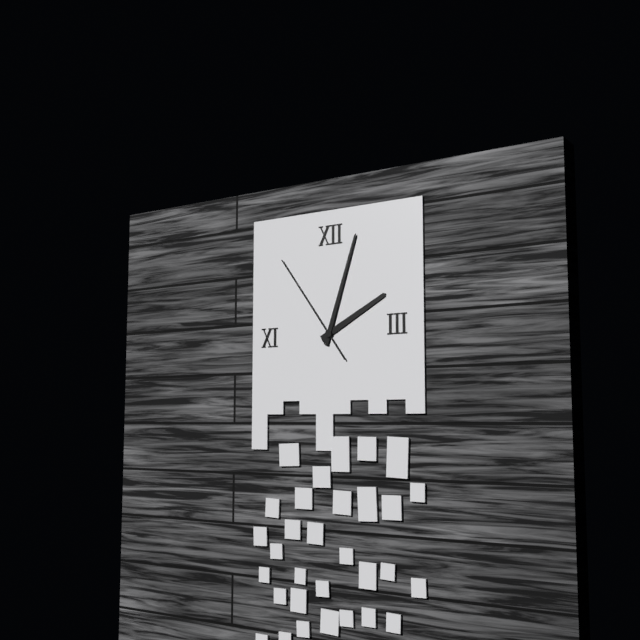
2:03:54
